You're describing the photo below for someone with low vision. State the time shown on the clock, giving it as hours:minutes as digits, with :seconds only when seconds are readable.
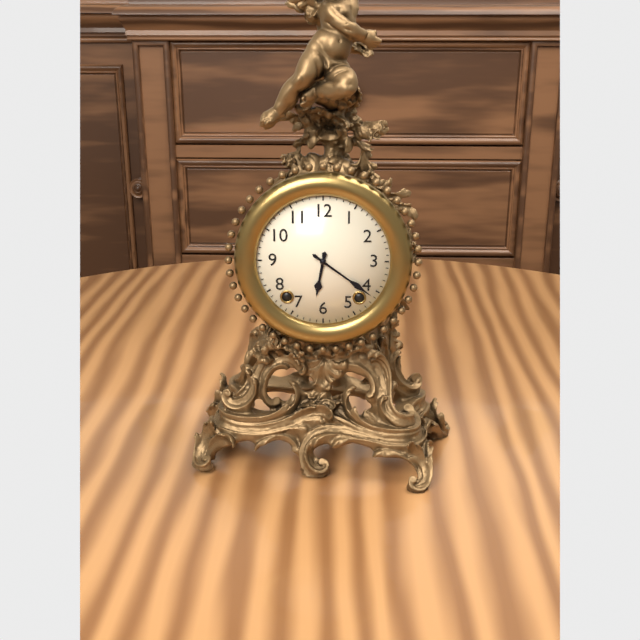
6:21
